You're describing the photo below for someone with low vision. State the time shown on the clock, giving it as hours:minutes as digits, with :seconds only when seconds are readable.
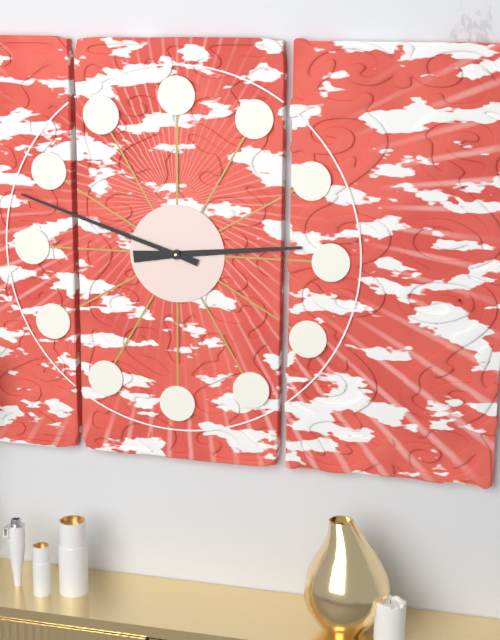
2:48
